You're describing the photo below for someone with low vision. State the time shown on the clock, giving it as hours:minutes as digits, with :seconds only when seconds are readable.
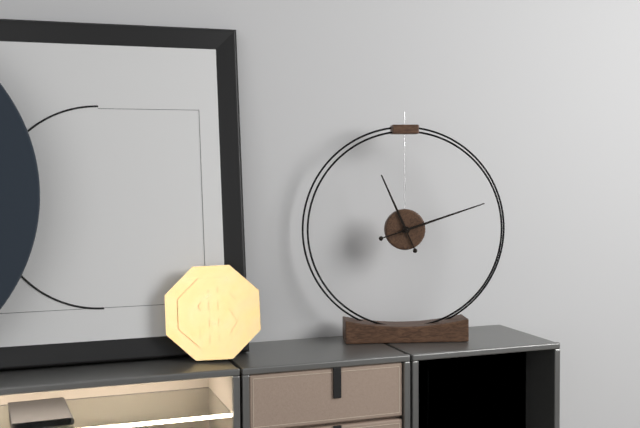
11:12
